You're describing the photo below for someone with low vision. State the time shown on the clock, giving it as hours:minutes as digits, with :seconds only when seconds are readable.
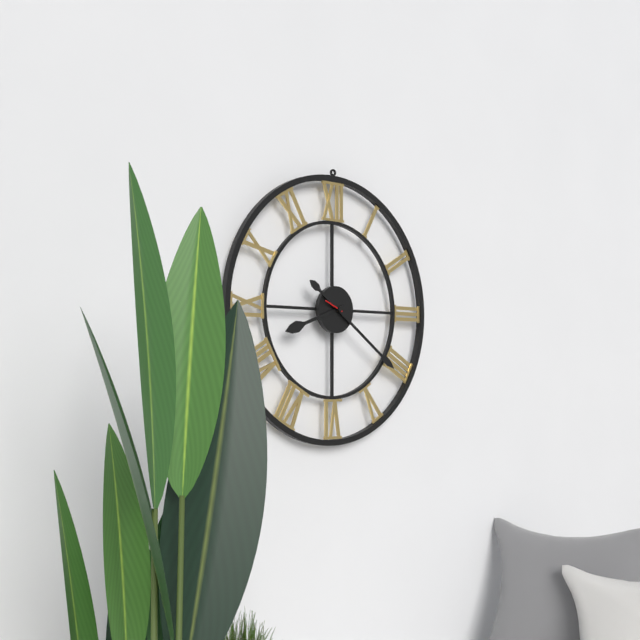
8:21
